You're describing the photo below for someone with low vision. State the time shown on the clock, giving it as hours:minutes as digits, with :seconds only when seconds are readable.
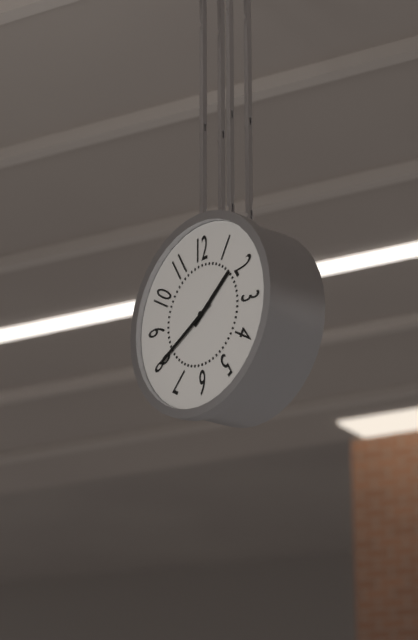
1:40
